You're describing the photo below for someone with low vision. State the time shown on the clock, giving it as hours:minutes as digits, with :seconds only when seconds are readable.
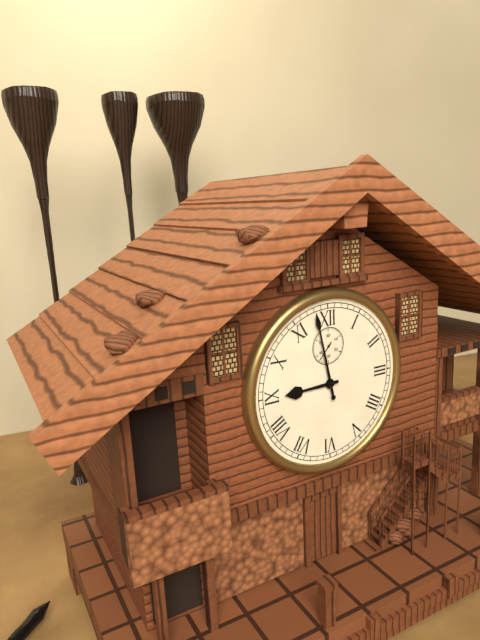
8:58
